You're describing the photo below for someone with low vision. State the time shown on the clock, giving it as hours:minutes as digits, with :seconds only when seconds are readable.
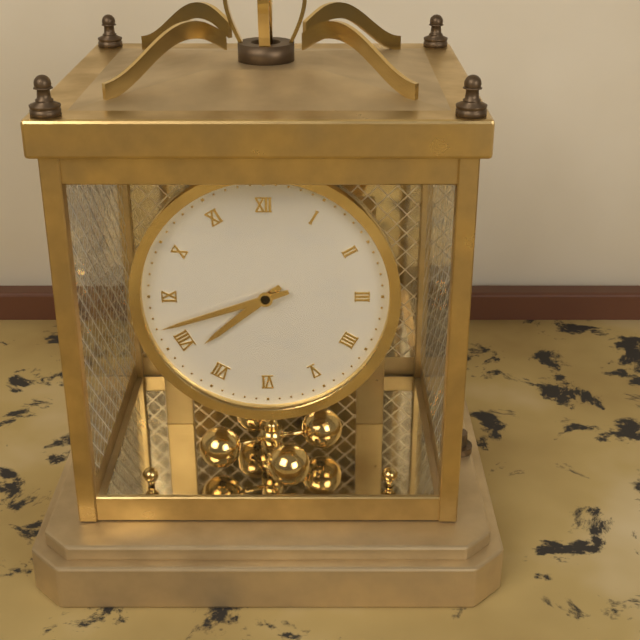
7:42
